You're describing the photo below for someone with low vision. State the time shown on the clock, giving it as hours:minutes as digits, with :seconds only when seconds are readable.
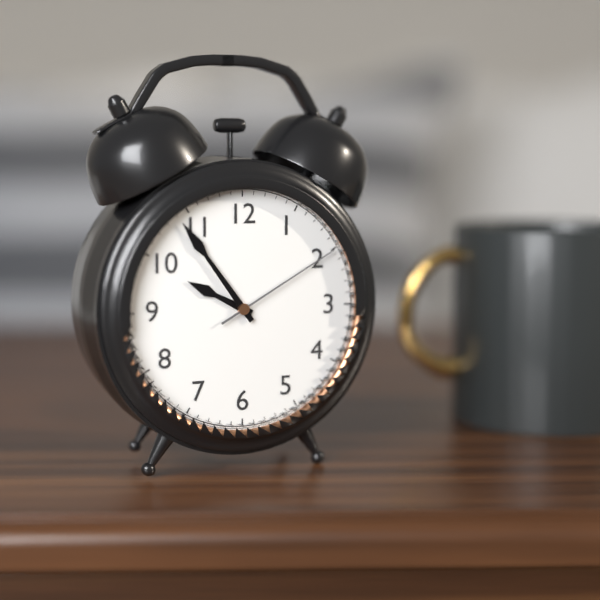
9:54:10
